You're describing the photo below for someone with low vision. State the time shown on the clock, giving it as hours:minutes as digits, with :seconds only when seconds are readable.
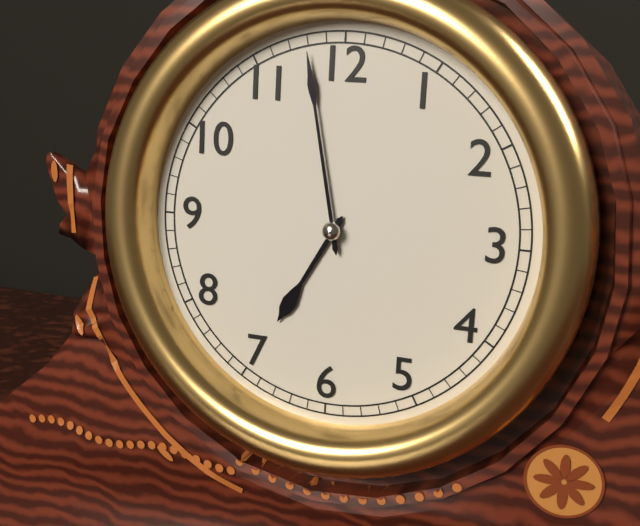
6:58
